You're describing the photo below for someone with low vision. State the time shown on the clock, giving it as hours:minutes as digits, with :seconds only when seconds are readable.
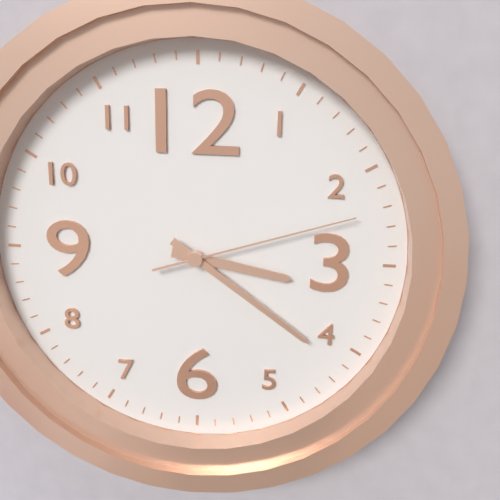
3:21:12
